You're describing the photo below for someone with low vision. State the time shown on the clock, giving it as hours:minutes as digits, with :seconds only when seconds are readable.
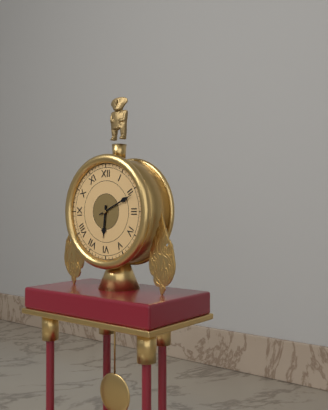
6:11
